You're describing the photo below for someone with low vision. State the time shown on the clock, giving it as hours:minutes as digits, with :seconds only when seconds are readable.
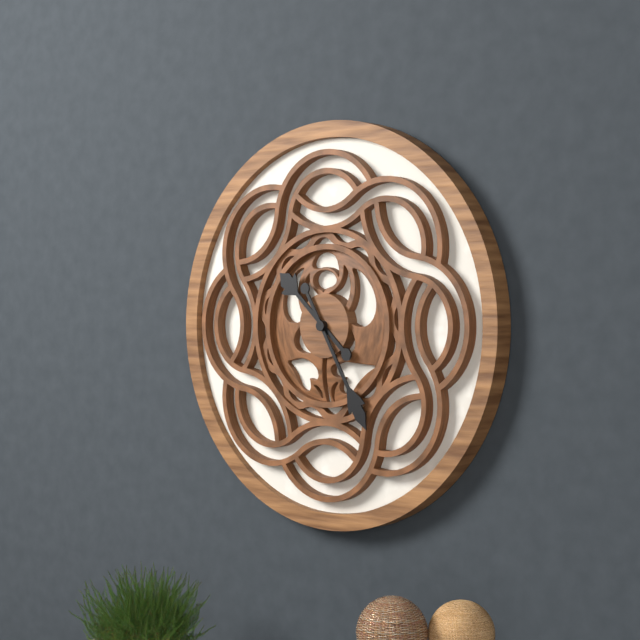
10:25
